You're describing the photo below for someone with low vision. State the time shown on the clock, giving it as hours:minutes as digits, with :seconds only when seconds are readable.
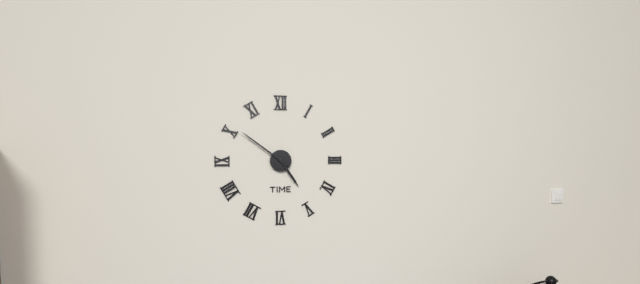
4:51
